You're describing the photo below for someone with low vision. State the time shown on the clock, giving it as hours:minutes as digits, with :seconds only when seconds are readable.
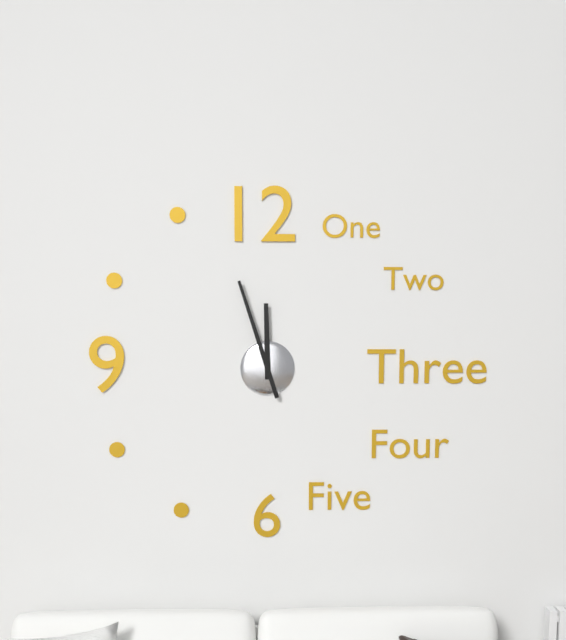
11:57
